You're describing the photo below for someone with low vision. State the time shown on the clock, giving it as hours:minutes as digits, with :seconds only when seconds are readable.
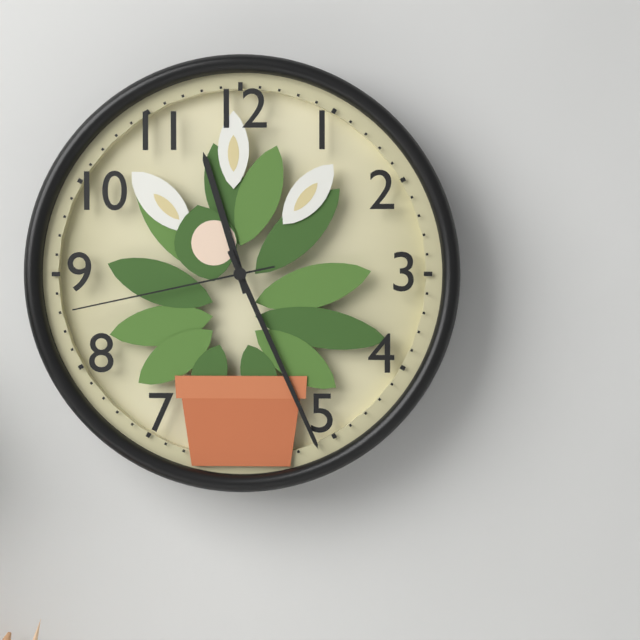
11:26:43
